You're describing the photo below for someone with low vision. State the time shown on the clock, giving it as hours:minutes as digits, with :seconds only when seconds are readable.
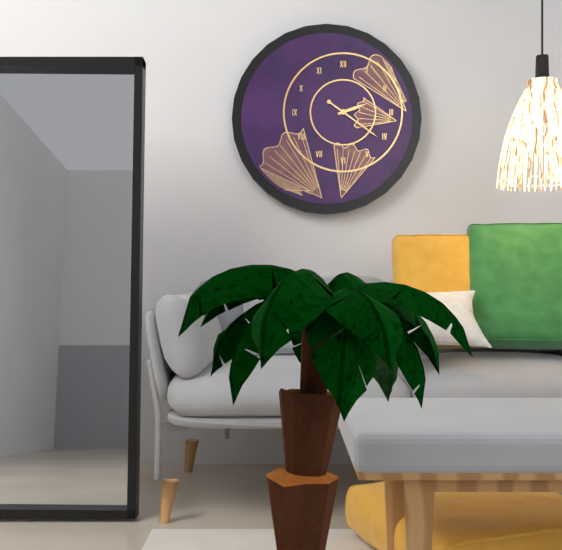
2:21
